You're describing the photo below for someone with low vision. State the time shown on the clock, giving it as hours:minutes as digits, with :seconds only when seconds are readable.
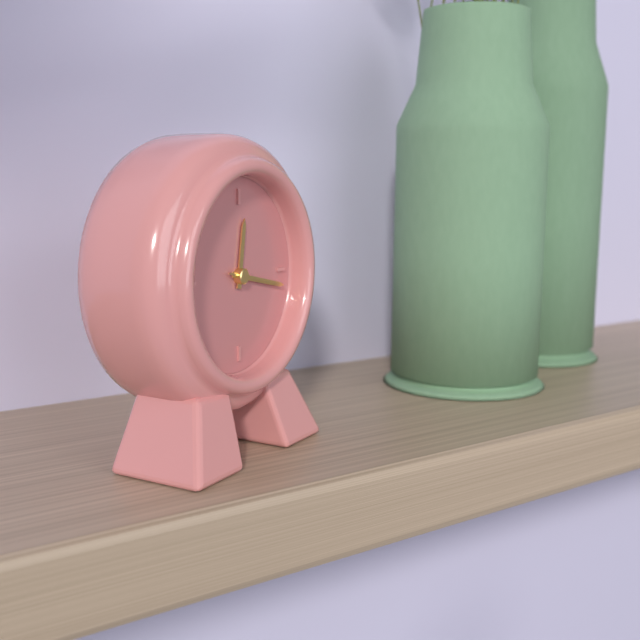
12:17:17
